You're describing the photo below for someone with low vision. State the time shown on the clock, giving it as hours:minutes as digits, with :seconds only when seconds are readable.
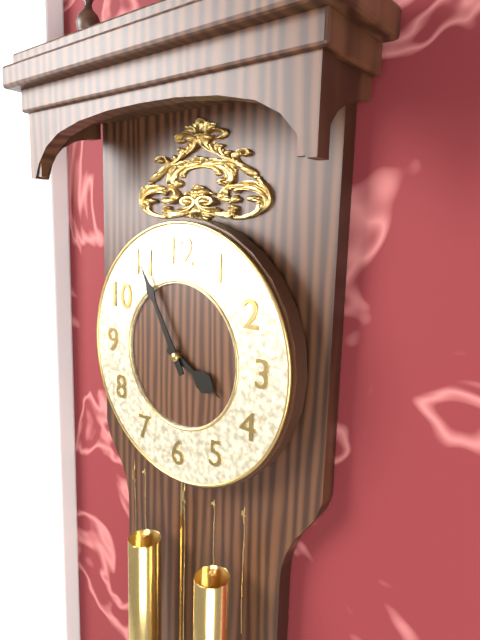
3:55
